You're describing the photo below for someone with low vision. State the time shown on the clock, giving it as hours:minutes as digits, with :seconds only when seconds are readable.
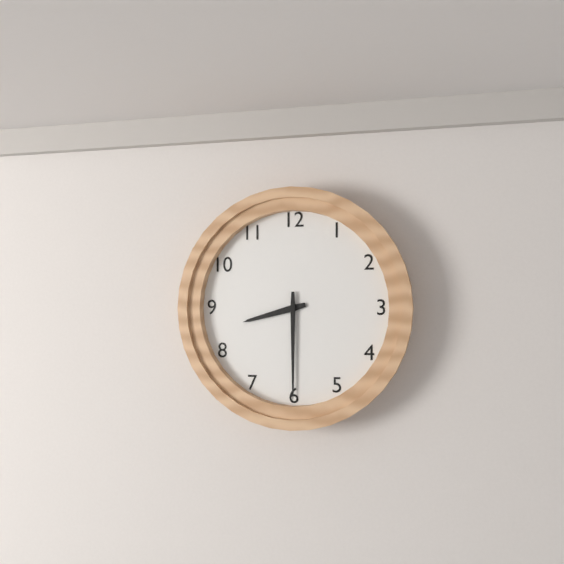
8:30
